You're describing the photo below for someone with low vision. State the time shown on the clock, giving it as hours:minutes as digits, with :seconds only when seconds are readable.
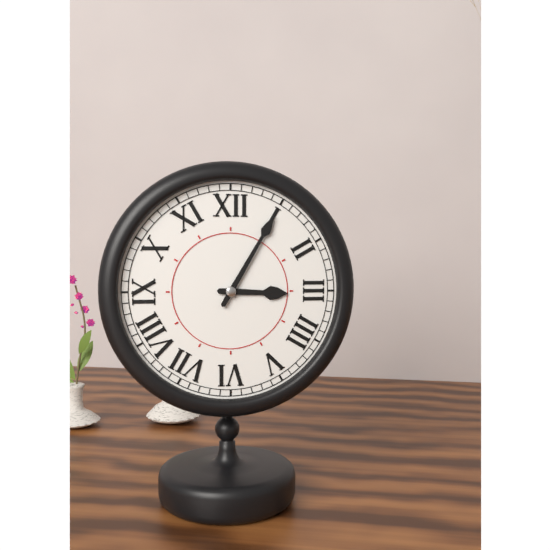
3:05
